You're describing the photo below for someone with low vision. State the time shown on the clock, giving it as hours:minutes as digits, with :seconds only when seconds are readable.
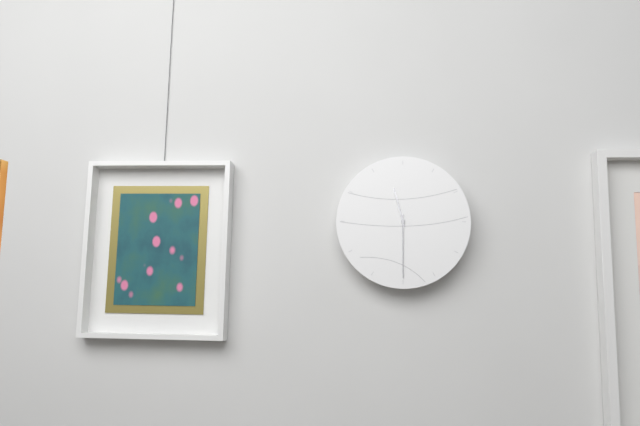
11:30
